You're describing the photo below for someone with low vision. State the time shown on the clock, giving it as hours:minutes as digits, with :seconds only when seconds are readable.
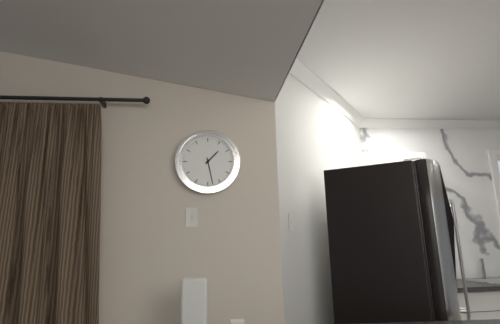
1:28
